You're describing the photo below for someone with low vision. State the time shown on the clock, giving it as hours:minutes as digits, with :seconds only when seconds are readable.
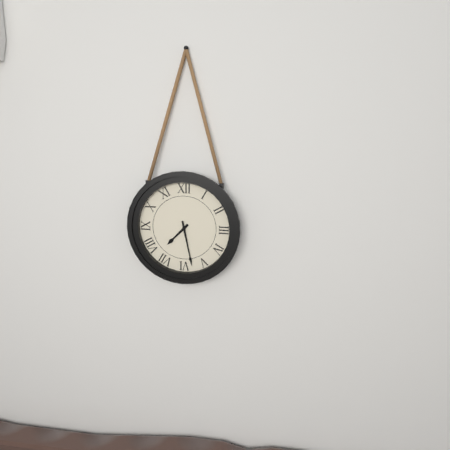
7:28
